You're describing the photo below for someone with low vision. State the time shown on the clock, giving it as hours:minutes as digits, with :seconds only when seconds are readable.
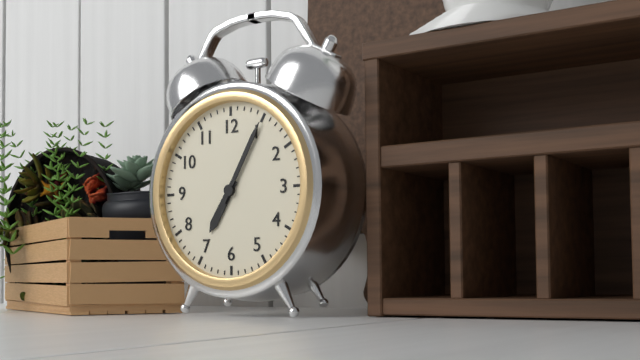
7:05
